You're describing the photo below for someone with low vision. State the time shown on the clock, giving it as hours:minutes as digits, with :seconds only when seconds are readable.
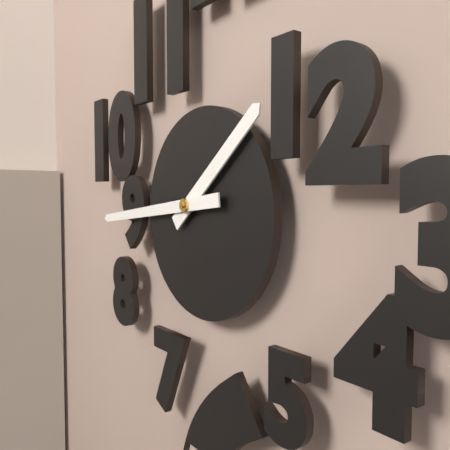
1:44
